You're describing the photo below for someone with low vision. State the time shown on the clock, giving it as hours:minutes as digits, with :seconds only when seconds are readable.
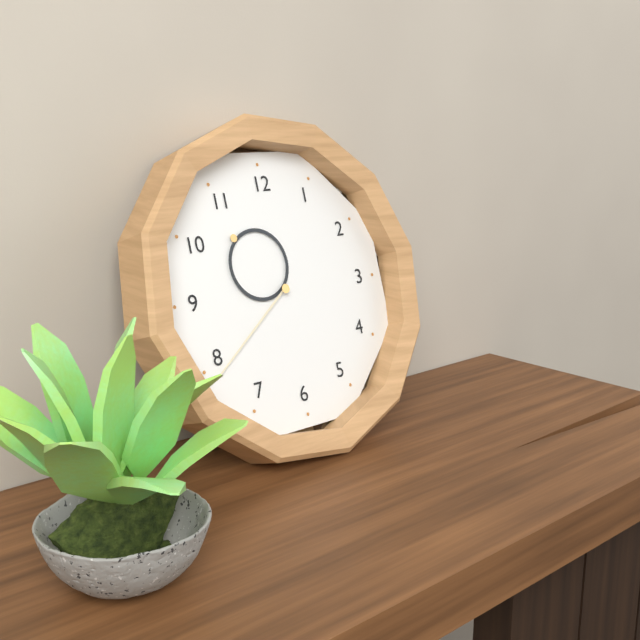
10:39
